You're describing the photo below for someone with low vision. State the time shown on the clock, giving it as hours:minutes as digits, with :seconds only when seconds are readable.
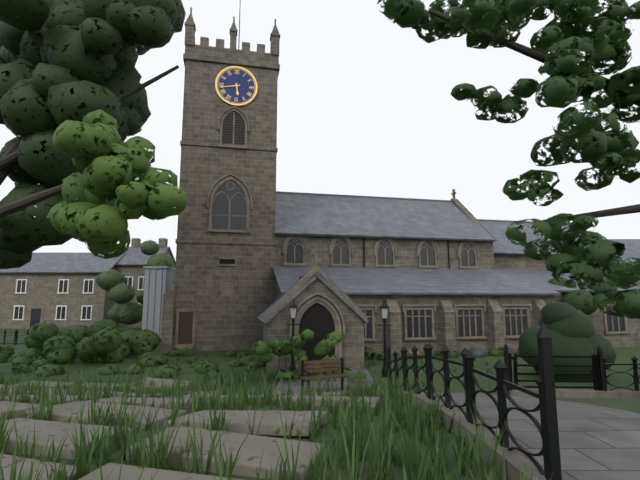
5:43
